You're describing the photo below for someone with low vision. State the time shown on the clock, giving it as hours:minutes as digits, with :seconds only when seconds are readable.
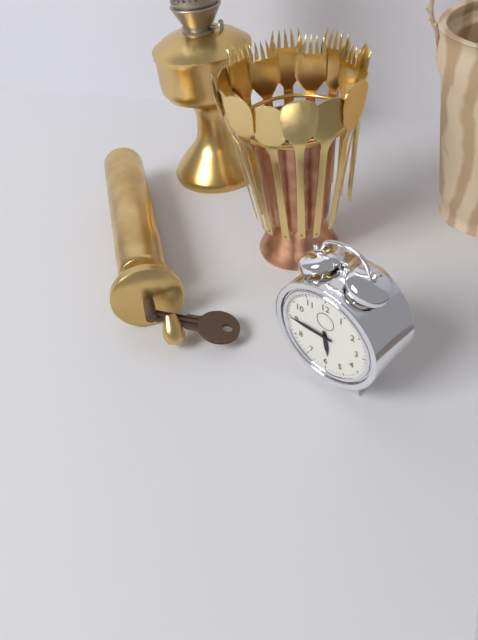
5:45
